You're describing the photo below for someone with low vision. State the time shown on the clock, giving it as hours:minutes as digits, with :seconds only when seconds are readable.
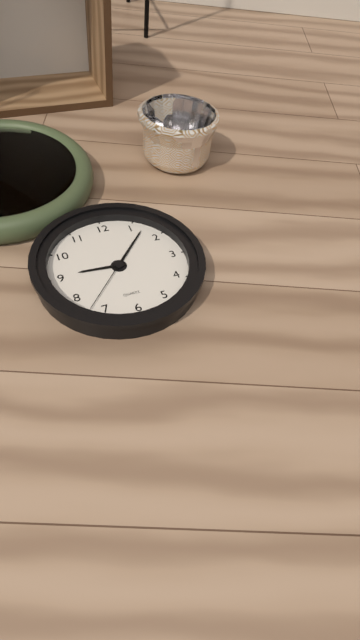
9:07:37
